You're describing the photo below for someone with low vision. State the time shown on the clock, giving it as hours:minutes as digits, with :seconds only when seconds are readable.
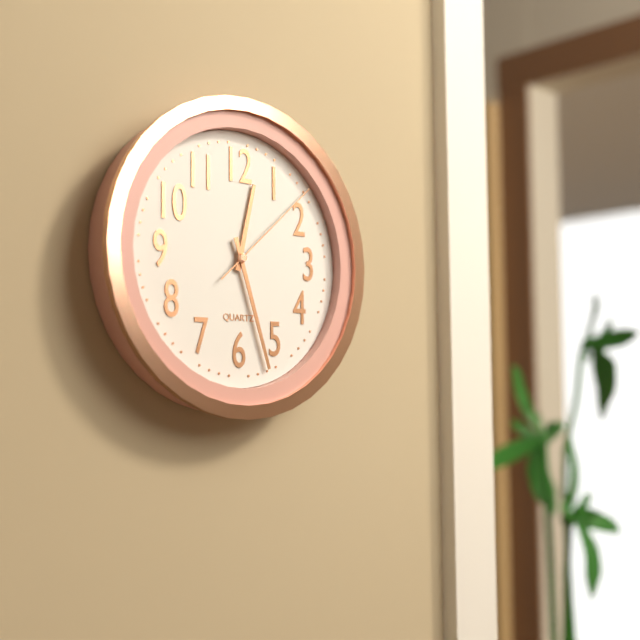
12:27:08
